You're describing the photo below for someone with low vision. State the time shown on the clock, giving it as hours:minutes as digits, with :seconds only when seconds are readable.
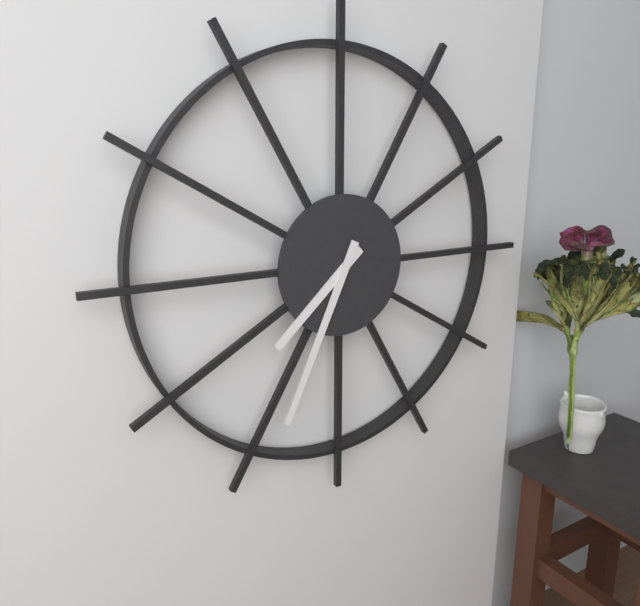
7:34
